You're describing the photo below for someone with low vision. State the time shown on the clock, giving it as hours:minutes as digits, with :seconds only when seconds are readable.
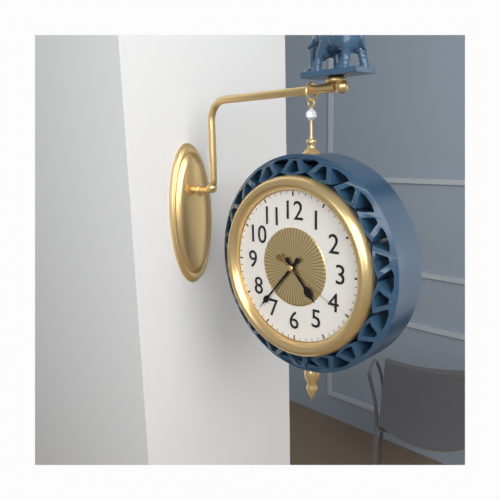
4:37:20
